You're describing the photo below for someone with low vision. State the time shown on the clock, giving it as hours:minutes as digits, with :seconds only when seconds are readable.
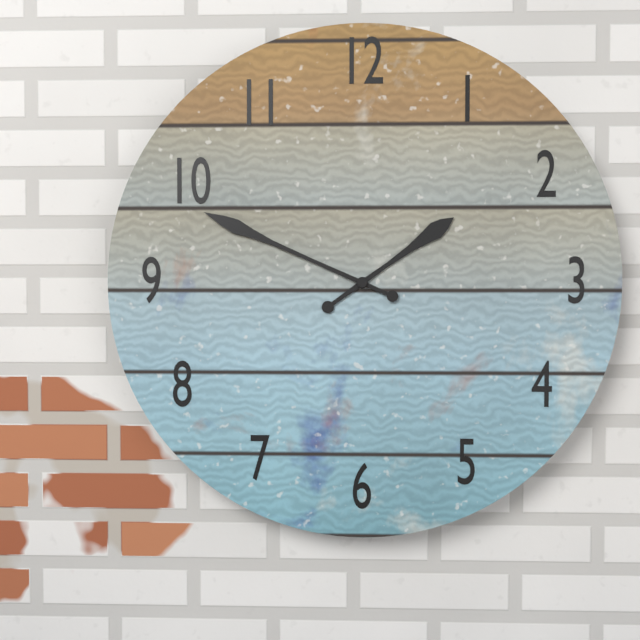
1:49
